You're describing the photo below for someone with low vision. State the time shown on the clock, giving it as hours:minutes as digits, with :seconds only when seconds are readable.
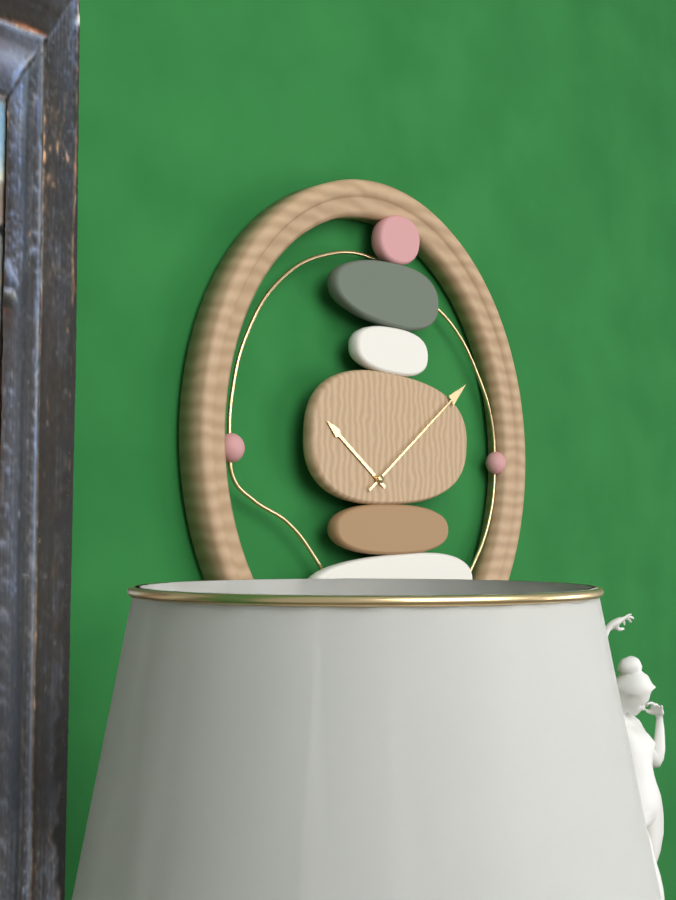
10:09
